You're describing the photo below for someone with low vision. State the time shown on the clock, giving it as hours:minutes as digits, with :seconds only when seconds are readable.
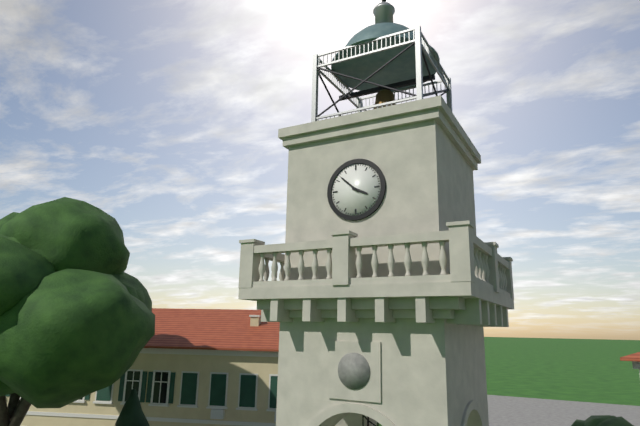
3:52
